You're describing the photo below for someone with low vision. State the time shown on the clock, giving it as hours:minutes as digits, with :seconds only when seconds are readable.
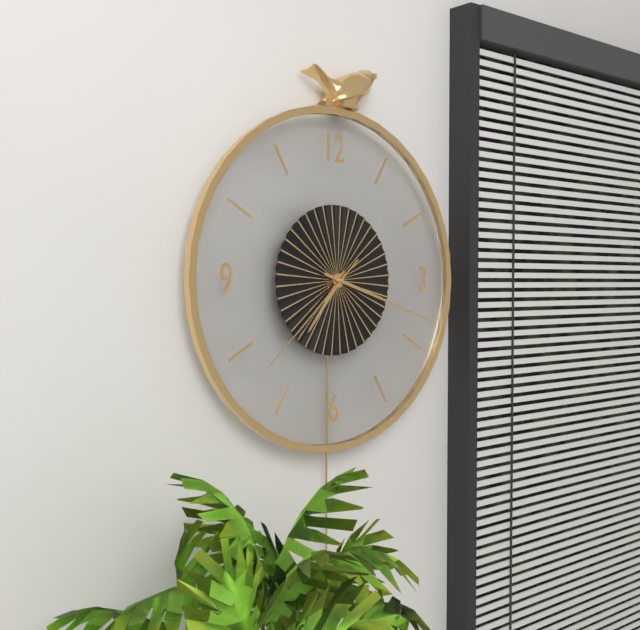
7:18:38
